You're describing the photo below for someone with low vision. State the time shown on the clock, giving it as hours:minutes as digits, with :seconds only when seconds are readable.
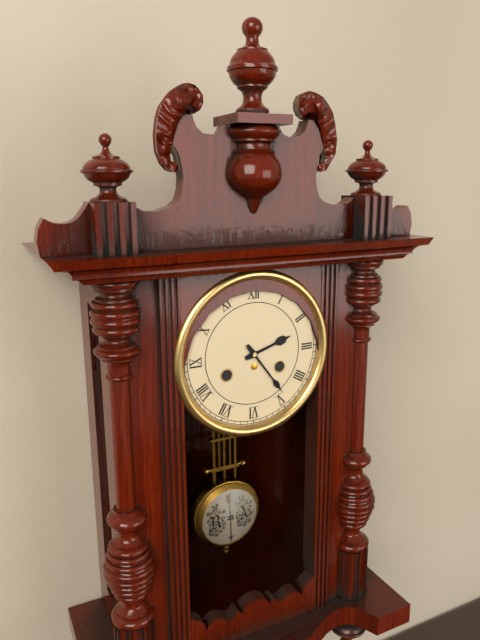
2:24
